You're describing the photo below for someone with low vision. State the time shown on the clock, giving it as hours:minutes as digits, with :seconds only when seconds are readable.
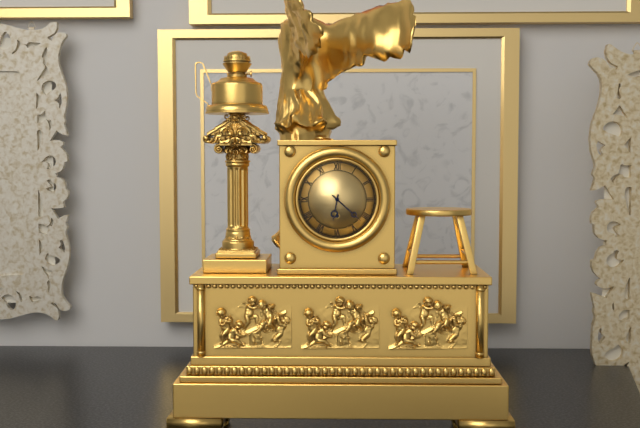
6:22
